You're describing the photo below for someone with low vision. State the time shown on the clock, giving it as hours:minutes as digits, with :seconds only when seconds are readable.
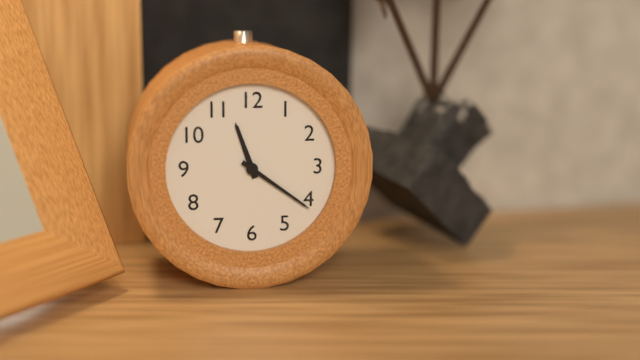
11:21
